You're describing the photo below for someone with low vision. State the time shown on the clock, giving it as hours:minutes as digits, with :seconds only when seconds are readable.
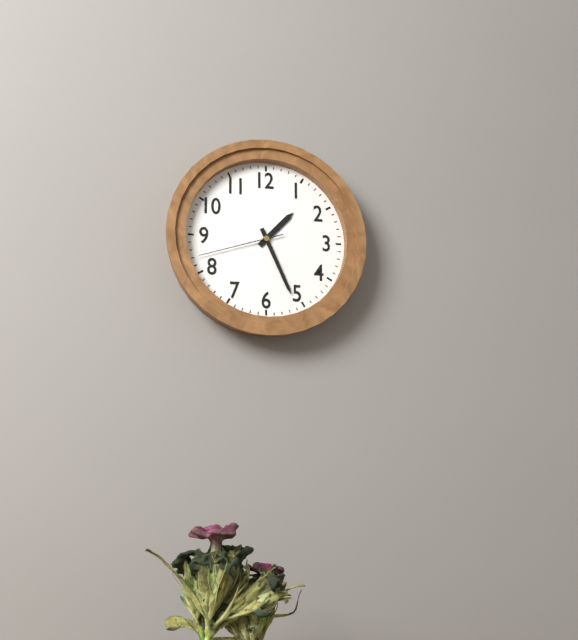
1:26:42
